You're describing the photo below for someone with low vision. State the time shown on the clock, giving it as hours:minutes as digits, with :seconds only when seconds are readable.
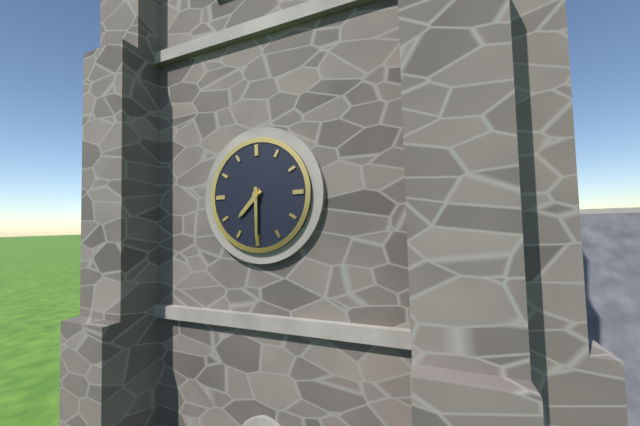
7:30
